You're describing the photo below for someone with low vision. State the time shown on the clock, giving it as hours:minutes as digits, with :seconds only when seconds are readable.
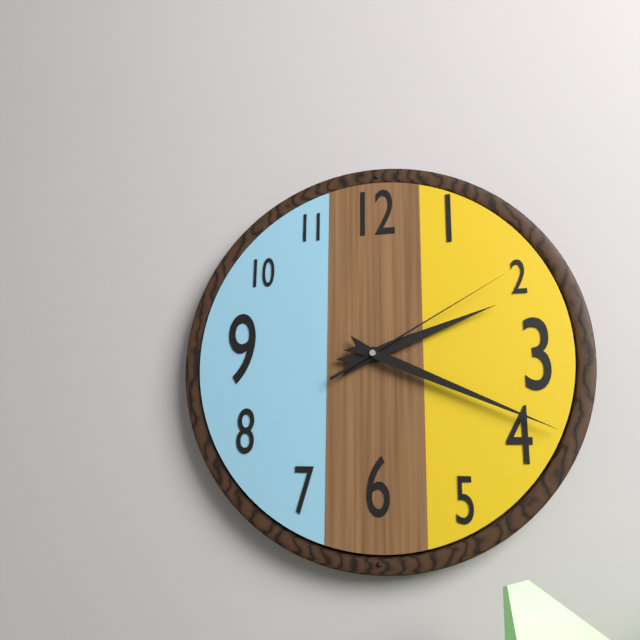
2:19:10
